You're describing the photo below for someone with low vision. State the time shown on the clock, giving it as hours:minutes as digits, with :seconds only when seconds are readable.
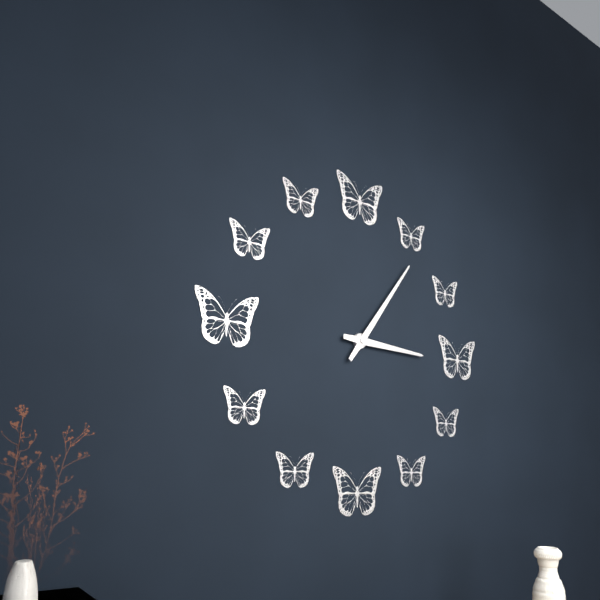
3:06
